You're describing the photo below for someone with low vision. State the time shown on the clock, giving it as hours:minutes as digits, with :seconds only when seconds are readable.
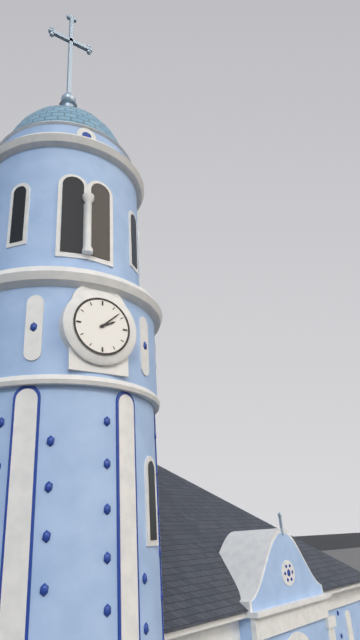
2:08
